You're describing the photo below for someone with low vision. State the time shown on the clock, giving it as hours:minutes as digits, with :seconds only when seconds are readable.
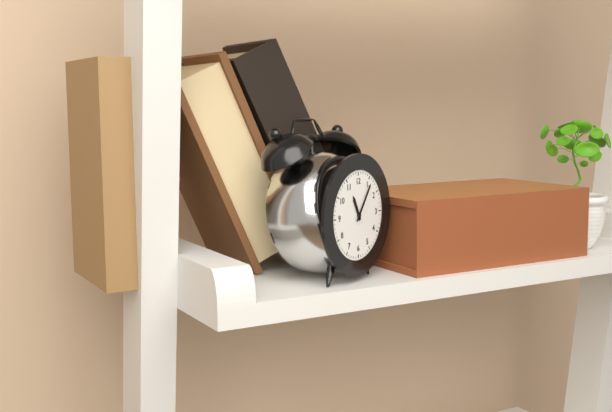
11:06
